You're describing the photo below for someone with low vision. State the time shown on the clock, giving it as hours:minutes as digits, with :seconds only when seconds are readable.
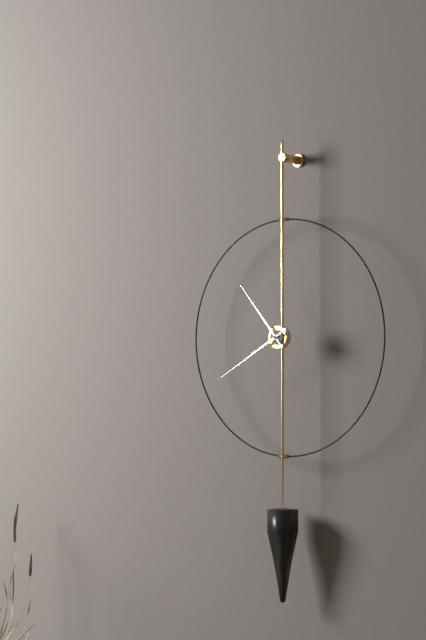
10:40
